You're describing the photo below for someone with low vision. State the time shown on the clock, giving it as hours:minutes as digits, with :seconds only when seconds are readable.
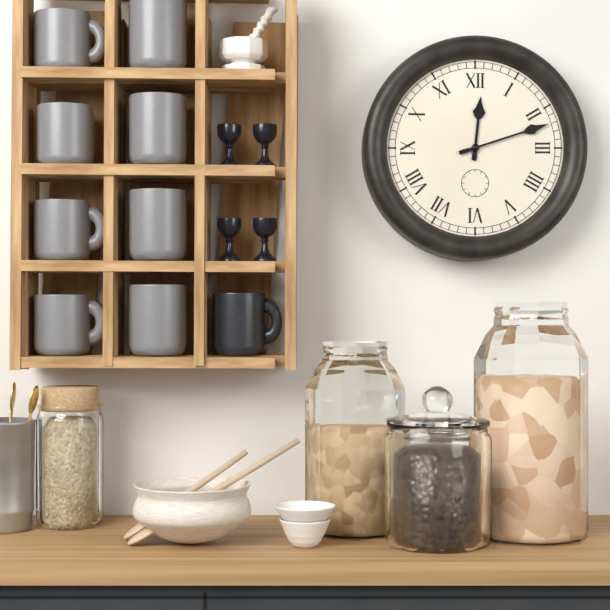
12:12
